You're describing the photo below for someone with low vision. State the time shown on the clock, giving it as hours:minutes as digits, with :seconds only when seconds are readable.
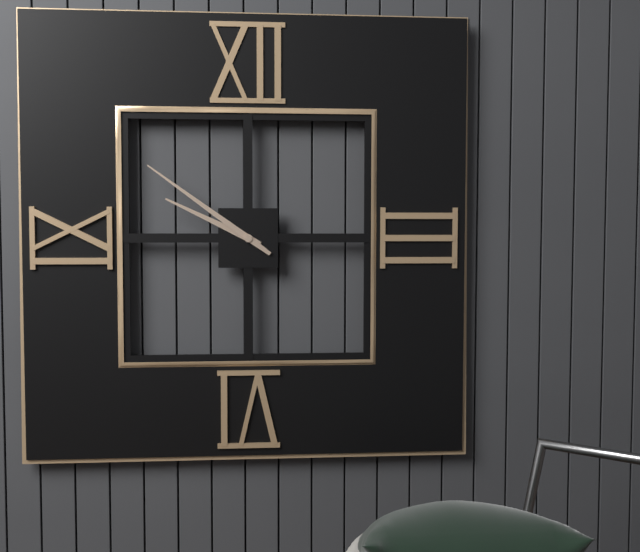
9:51
